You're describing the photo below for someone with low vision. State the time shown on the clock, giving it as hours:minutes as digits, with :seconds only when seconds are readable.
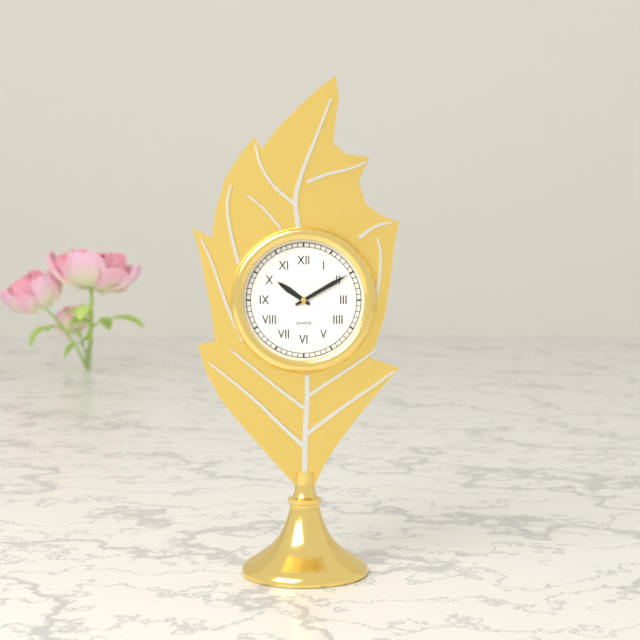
10:10
